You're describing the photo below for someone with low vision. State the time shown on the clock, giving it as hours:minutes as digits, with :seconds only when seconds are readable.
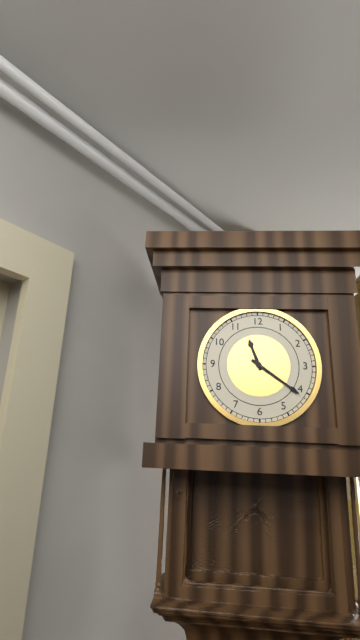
11:21
